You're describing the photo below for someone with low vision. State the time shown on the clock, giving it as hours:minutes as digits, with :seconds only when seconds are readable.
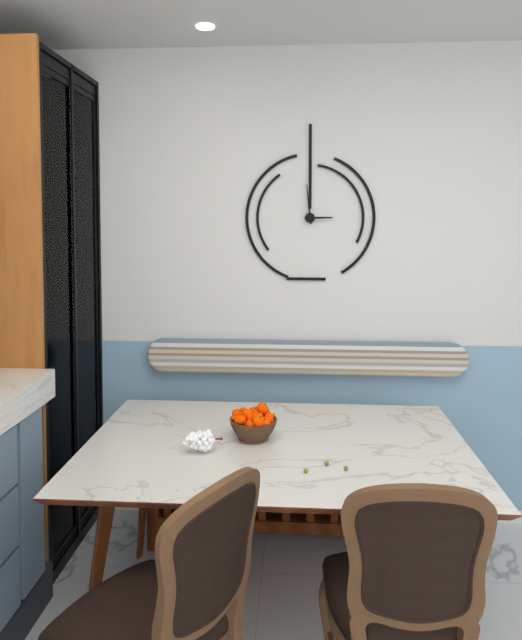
2:59
